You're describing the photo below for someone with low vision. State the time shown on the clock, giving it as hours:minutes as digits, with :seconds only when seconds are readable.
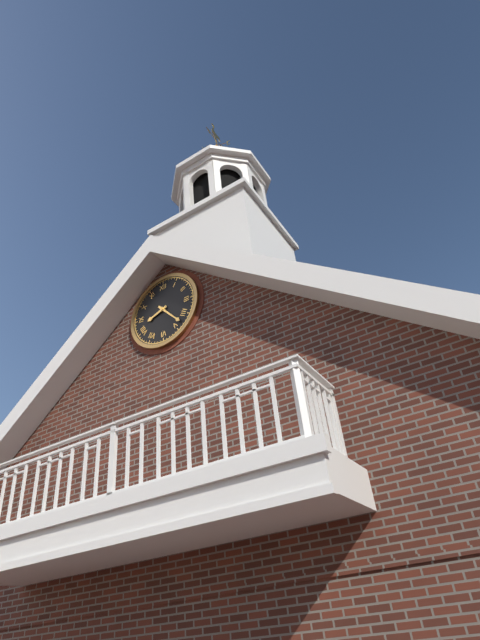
8:23
